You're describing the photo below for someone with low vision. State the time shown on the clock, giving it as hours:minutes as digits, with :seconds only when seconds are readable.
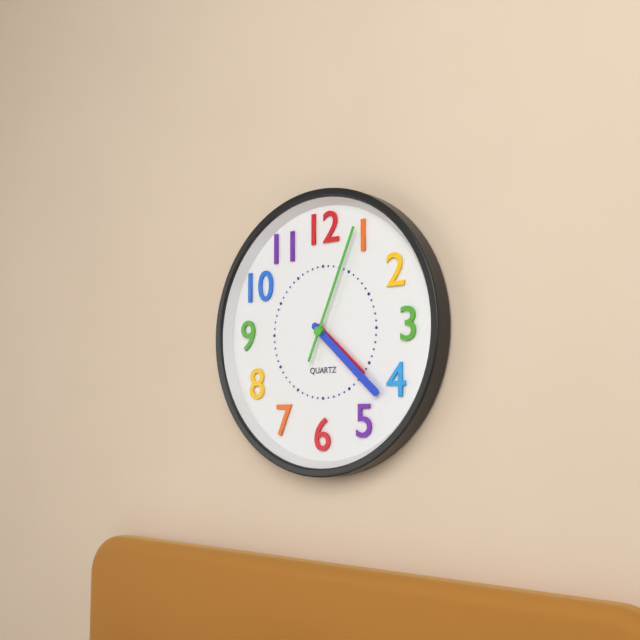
4:22:04
